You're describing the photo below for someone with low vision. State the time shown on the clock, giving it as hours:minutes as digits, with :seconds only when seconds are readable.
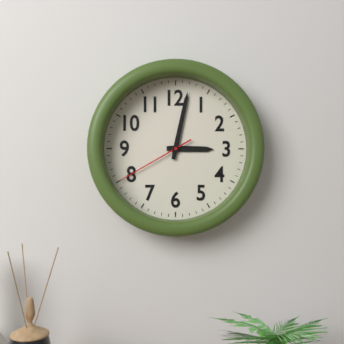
3:02:40
